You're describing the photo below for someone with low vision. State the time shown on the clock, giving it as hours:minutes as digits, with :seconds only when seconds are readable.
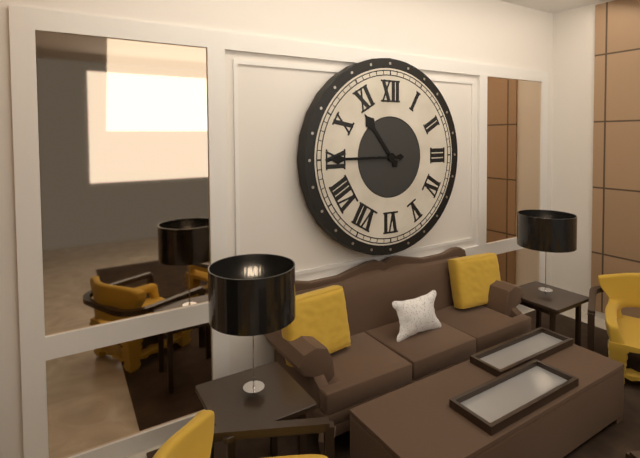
10:45
